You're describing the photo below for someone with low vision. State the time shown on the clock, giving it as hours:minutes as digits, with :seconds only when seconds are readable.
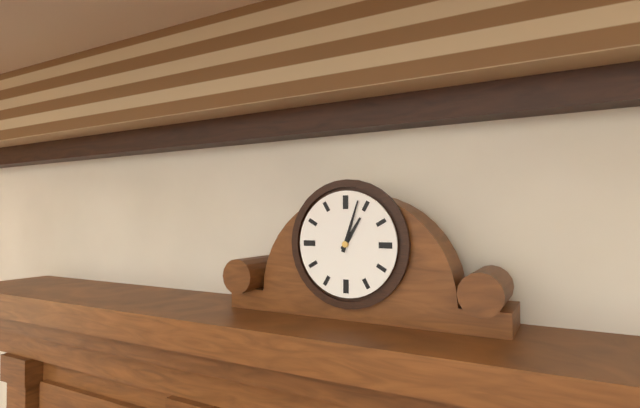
1:03
